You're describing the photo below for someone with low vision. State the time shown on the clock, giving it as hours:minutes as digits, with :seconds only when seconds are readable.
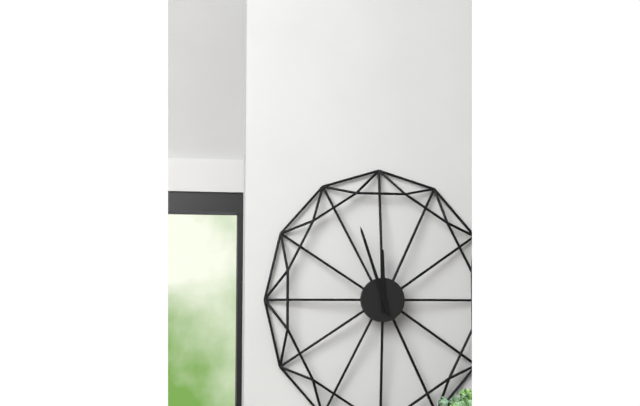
11:57
